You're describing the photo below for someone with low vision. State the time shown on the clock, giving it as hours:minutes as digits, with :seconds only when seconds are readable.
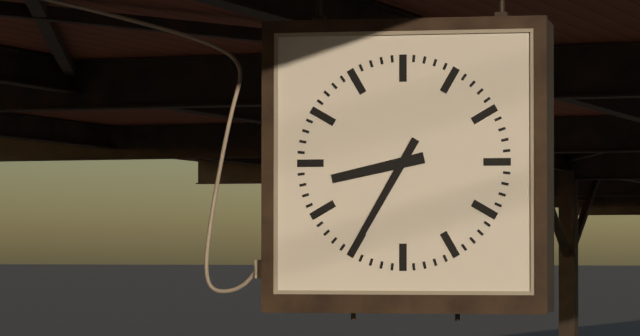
8:35
